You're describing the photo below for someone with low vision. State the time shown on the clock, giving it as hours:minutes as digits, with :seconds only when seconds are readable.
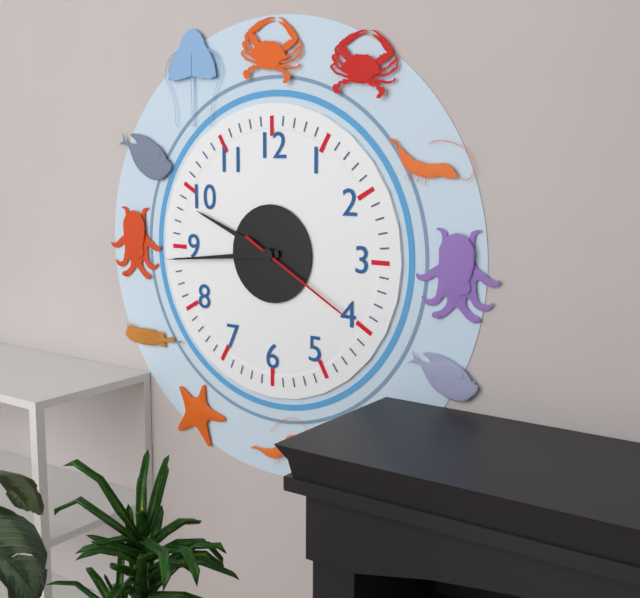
9:44:20
